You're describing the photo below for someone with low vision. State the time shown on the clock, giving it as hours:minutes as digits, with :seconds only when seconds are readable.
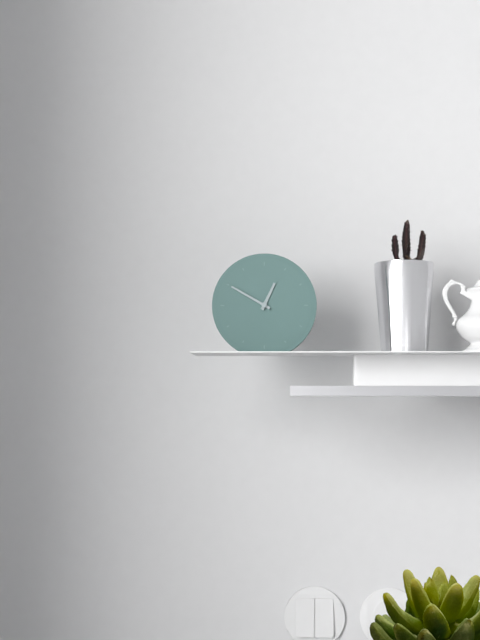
12:50
